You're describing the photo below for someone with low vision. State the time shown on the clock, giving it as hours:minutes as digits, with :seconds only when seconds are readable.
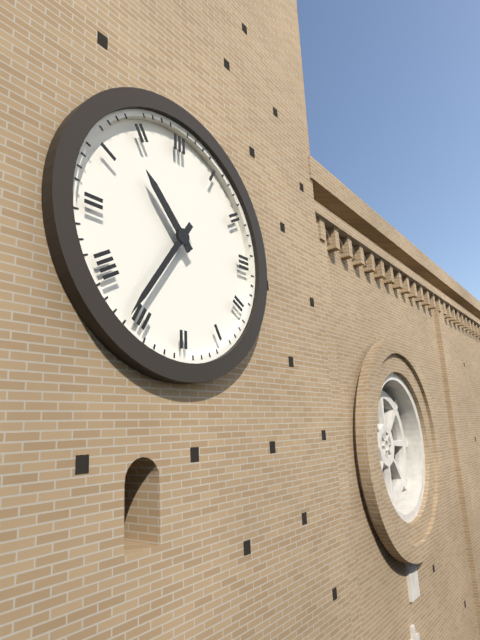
10:36
